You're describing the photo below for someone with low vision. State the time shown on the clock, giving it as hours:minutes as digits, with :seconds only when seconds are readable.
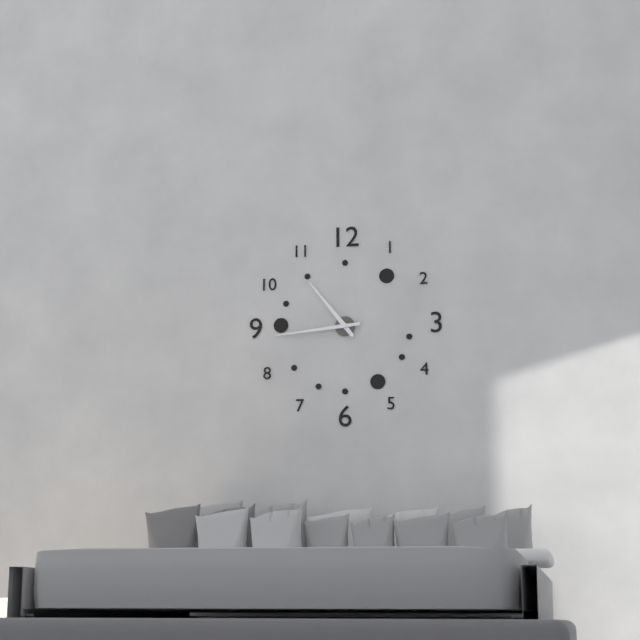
10:44
